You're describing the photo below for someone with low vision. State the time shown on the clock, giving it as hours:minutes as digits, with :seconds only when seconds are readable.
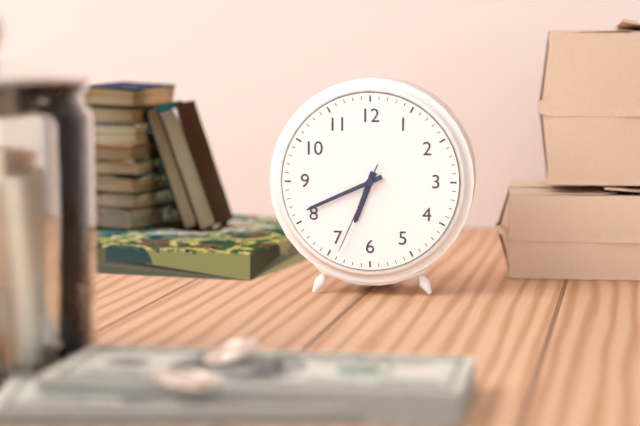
6:41:34
